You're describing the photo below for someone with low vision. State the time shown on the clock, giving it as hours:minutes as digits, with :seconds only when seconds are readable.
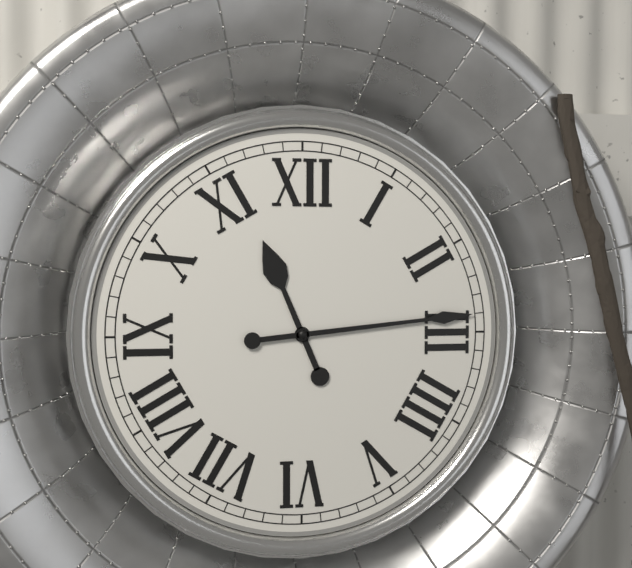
11:14
